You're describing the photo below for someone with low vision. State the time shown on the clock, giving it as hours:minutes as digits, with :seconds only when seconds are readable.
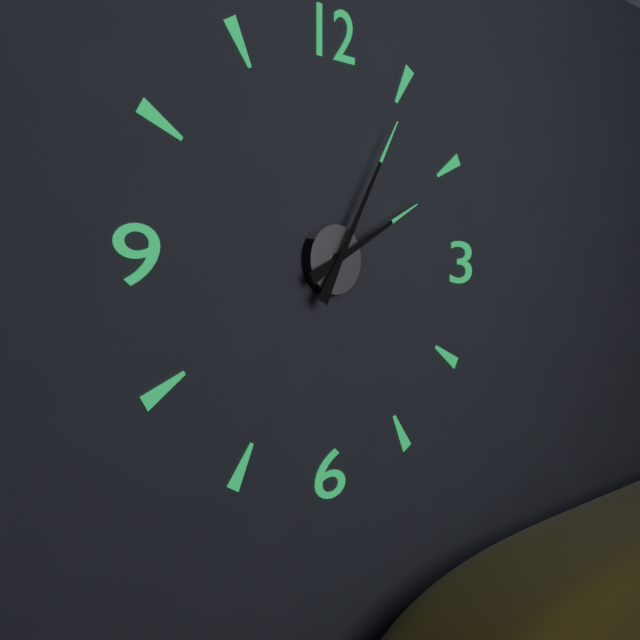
2:05
